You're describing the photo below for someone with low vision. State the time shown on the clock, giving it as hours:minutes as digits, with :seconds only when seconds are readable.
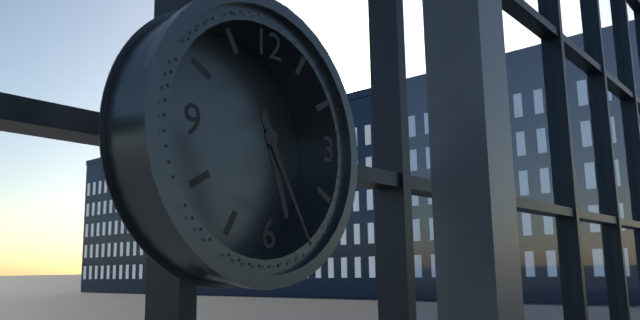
5:25
